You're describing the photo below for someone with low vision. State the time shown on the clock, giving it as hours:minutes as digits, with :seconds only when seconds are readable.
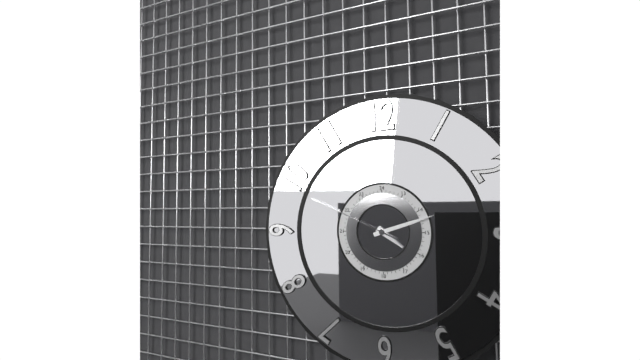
4:12:49
